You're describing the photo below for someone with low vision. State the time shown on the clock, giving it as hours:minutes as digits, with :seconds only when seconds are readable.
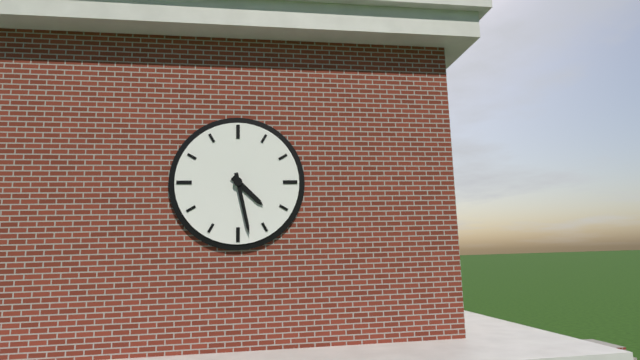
4:28
